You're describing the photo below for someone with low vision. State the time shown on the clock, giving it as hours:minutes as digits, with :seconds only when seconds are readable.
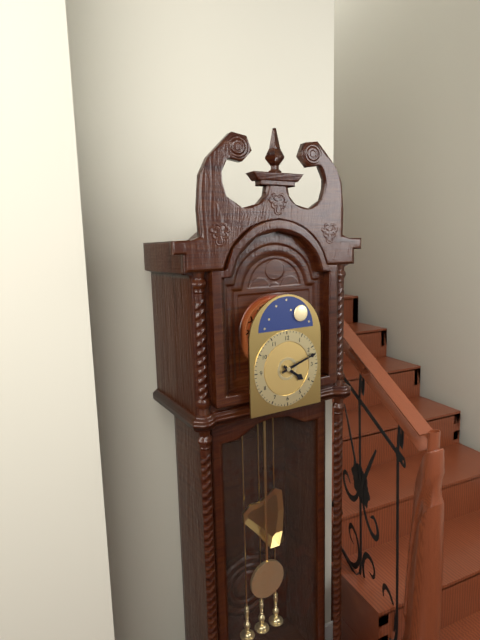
4:12
